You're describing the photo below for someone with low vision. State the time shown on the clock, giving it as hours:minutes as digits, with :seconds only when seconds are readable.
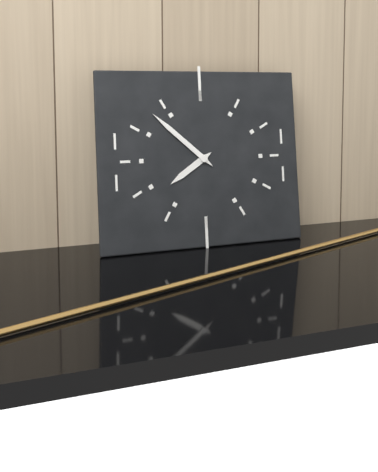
7:52
